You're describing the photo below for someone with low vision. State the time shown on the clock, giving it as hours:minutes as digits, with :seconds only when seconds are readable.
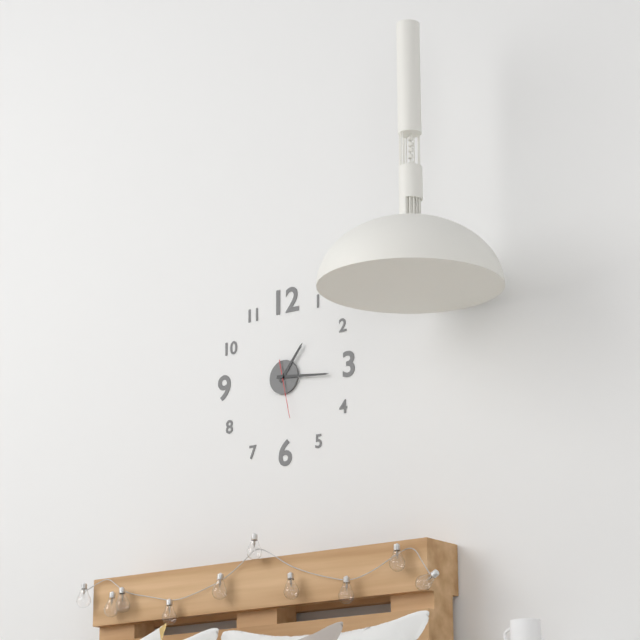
1:16:28
